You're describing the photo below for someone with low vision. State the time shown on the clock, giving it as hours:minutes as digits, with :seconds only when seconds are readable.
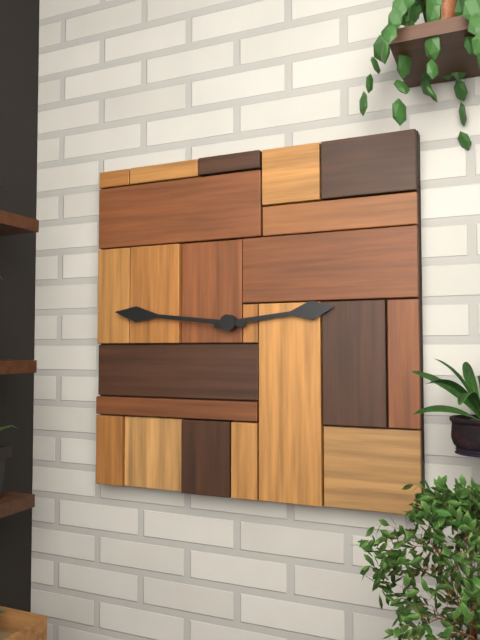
2:46
